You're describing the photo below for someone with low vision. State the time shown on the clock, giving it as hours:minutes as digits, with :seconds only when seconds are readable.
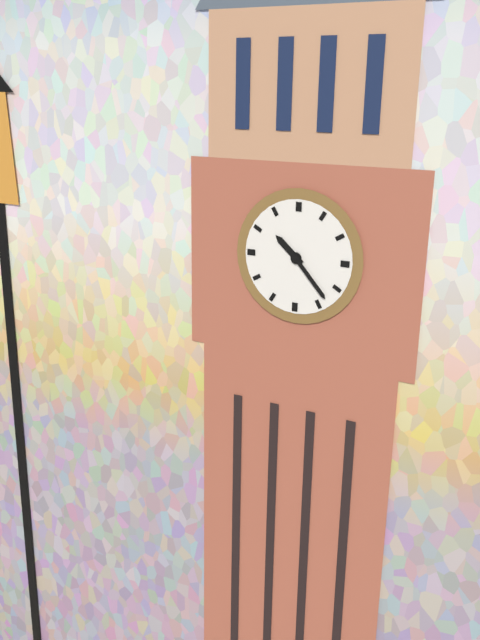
10:23
